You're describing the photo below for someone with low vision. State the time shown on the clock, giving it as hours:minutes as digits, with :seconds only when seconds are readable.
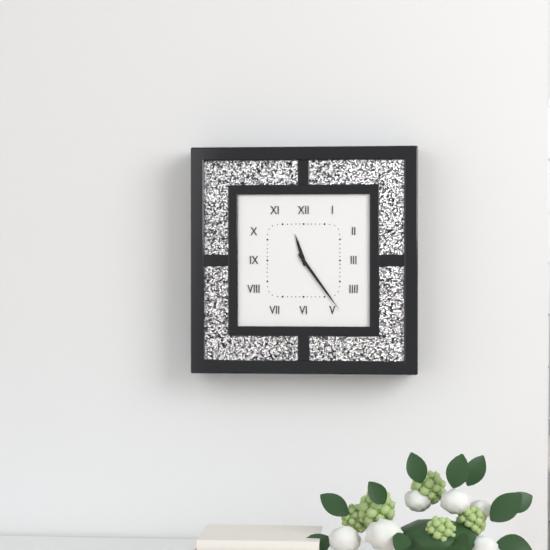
11:24
